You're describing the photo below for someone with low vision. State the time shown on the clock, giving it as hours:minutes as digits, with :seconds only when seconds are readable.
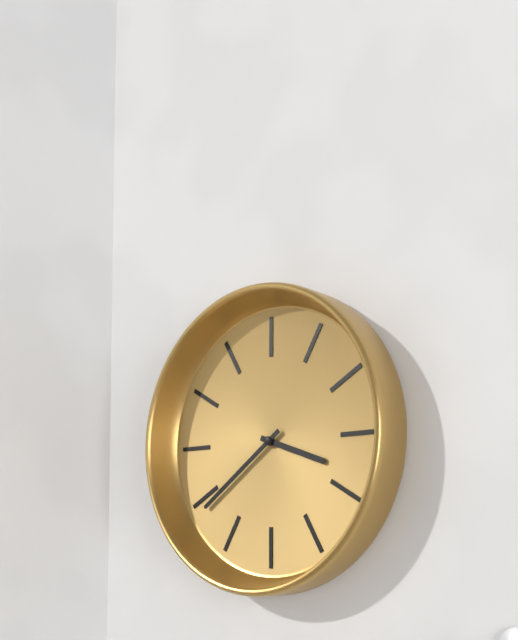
3:39
